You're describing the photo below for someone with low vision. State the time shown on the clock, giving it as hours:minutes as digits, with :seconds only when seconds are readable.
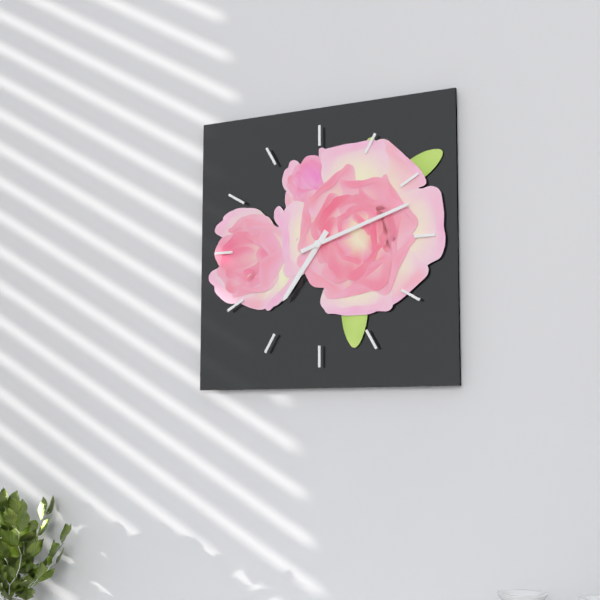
7:12
